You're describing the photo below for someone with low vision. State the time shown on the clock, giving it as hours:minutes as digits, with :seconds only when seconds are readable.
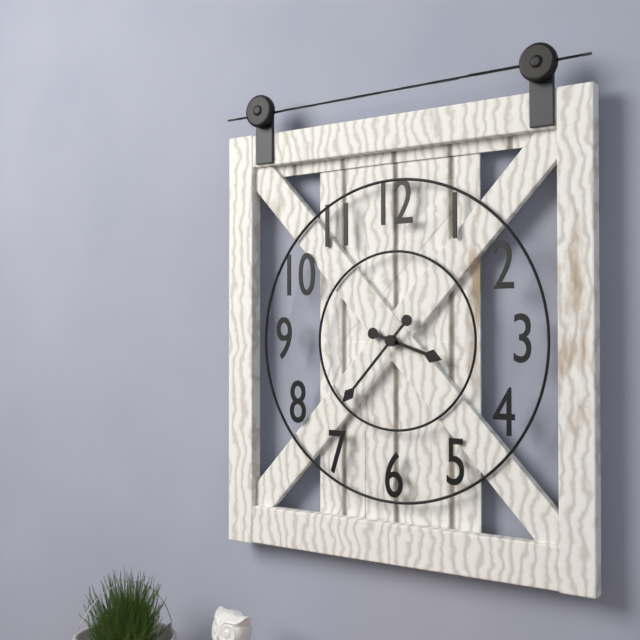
3:37
